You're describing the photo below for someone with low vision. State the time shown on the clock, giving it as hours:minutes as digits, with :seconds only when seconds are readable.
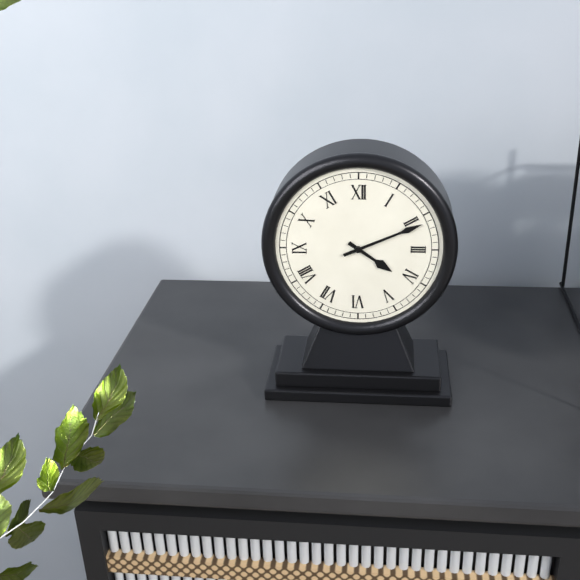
4:11
